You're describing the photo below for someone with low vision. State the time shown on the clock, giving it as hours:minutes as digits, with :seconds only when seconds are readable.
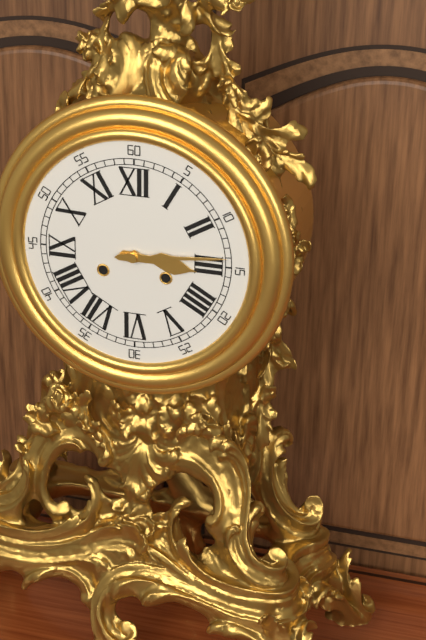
3:14
